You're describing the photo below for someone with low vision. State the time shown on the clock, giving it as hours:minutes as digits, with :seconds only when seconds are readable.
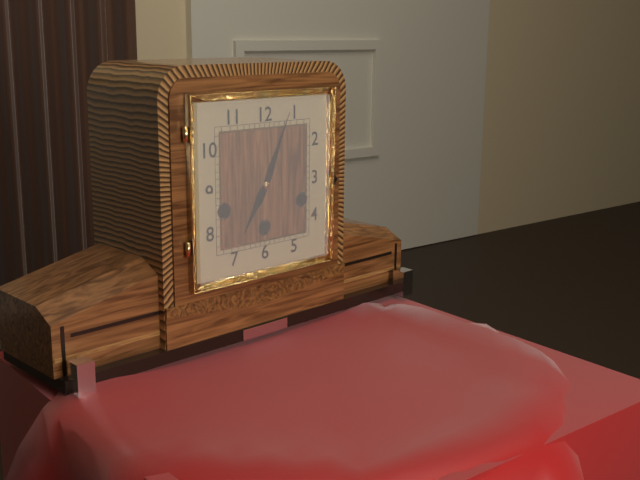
7:04
